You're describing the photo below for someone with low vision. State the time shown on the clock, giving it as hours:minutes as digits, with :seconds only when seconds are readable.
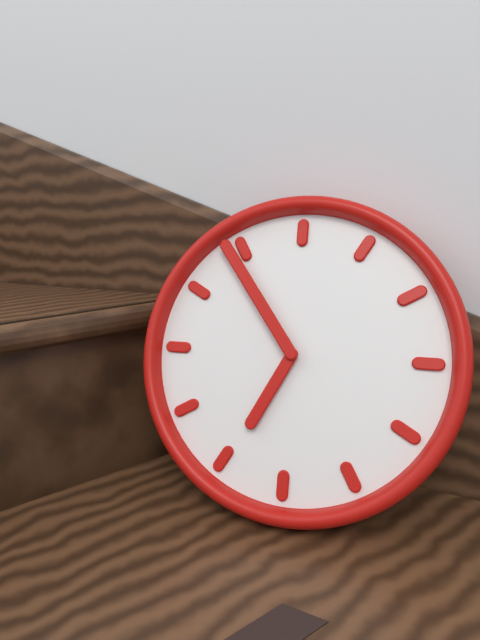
6:54
